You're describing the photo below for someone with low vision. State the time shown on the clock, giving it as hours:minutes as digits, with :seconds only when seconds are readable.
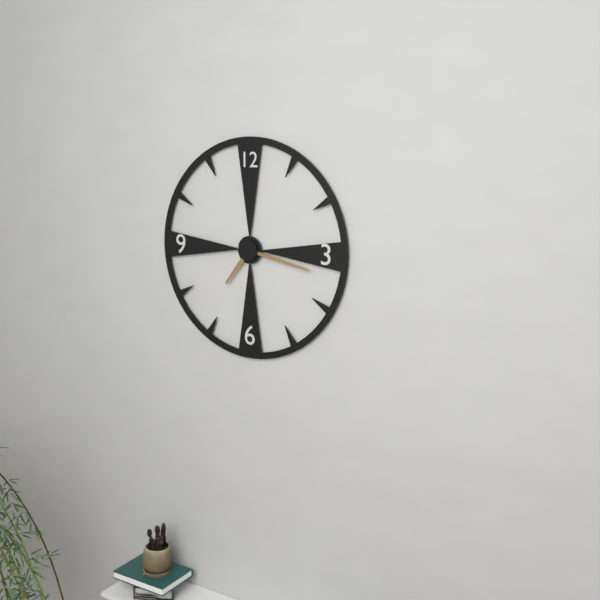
7:17
